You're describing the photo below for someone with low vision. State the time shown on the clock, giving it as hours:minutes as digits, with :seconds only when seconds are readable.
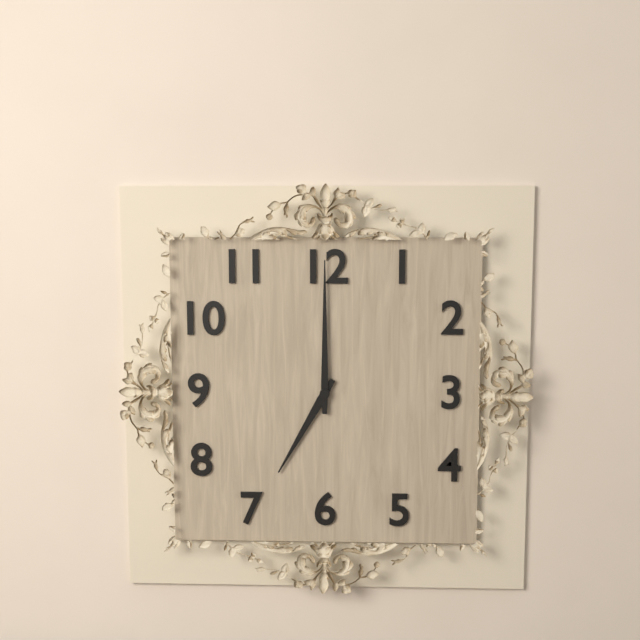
7:00
